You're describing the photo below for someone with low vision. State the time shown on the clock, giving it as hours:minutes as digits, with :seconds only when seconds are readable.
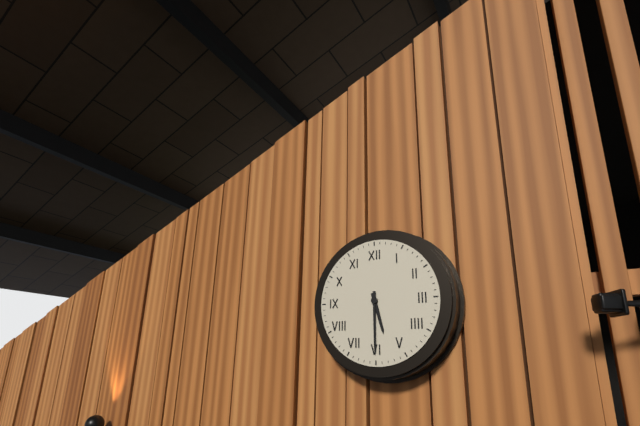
5:30
